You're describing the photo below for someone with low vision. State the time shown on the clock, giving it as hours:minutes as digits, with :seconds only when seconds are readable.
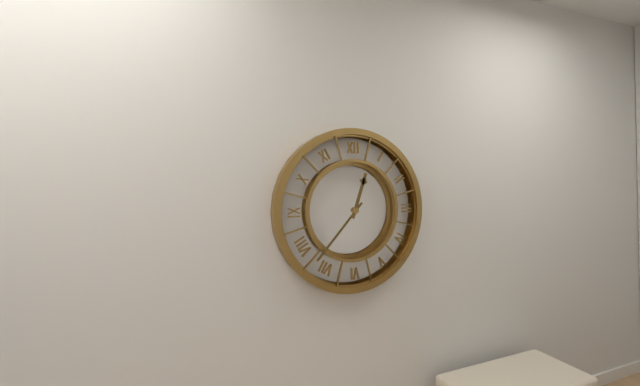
12:37
